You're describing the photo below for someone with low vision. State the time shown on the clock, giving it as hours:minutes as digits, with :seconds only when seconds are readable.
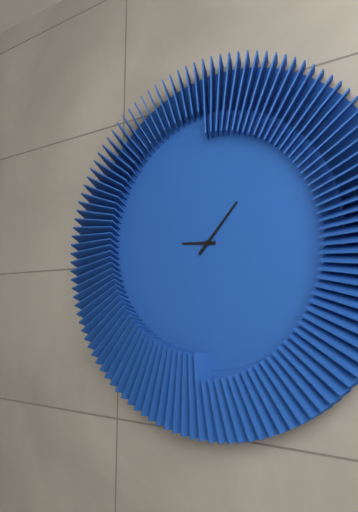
9:07
